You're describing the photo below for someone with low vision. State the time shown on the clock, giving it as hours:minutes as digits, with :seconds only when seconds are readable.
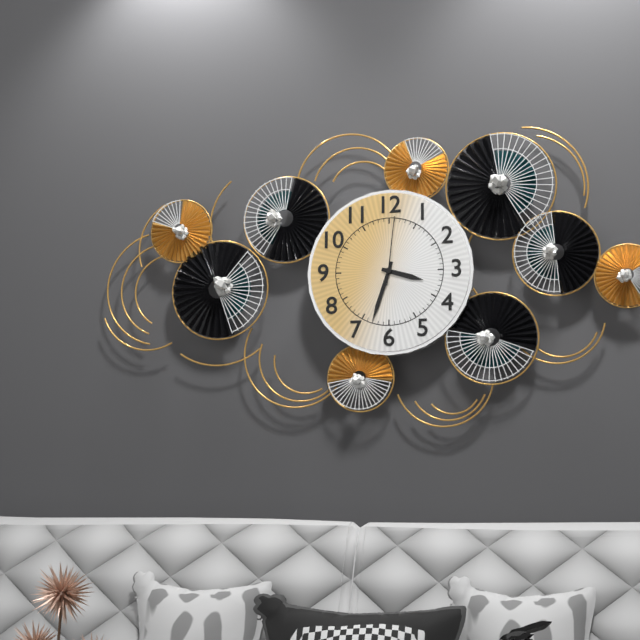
3:33:01
